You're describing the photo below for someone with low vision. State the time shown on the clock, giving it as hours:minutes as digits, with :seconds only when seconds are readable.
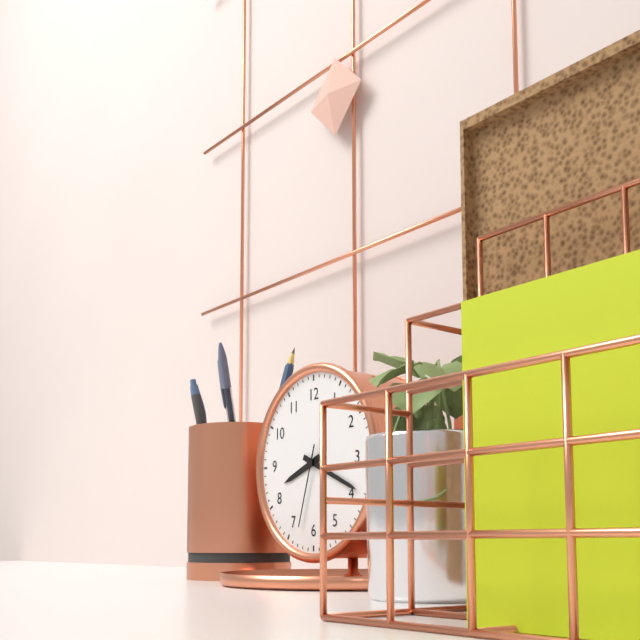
8:19:33
